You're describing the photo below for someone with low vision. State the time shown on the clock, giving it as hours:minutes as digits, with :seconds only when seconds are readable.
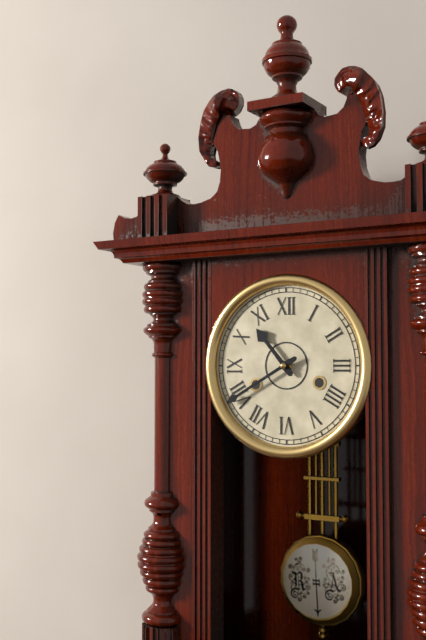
10:40
